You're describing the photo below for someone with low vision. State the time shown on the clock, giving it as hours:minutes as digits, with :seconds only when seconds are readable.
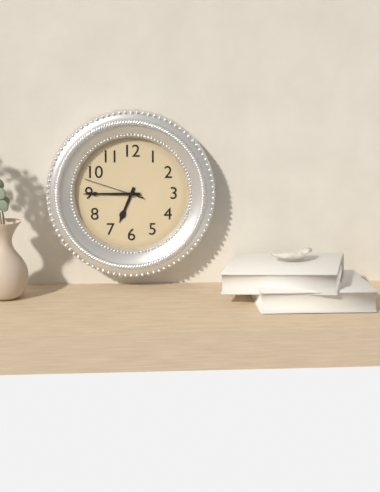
6:45:48
